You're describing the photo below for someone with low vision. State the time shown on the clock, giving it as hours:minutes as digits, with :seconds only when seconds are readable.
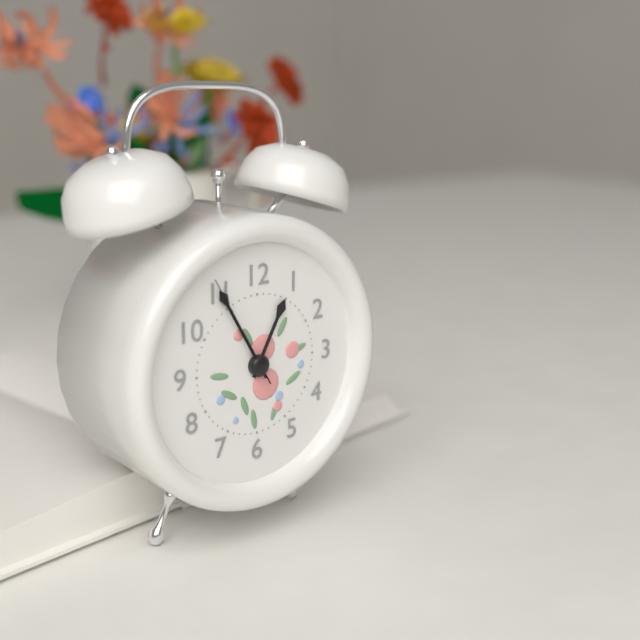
12:55:55
